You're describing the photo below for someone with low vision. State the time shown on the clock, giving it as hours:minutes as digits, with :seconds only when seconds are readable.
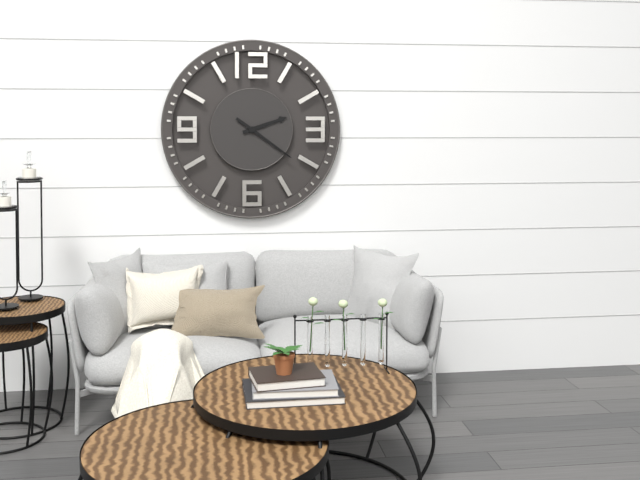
2:21
